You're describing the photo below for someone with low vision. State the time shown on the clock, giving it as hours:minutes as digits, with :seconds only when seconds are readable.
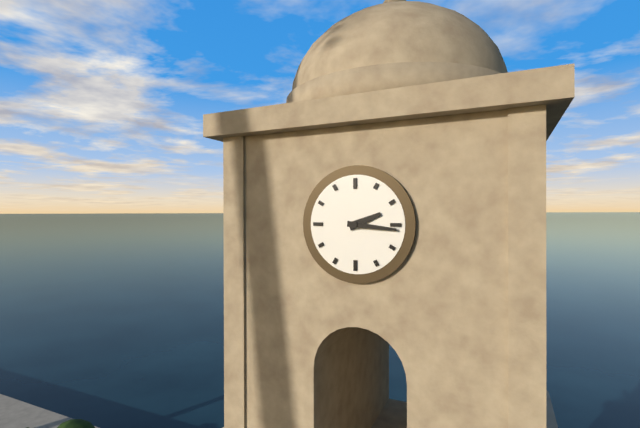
2:16
